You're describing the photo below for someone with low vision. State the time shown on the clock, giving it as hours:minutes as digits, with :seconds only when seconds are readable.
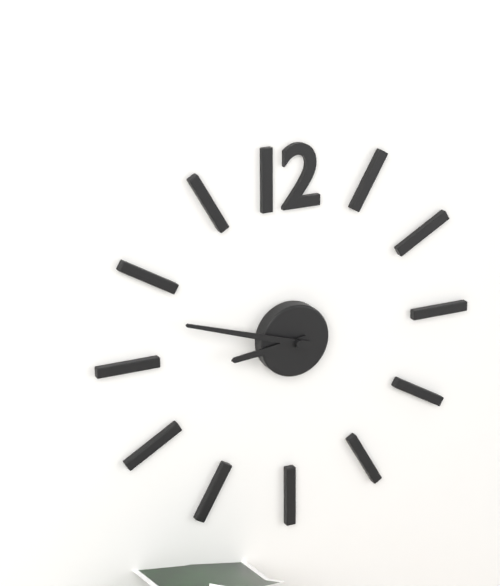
8:48
